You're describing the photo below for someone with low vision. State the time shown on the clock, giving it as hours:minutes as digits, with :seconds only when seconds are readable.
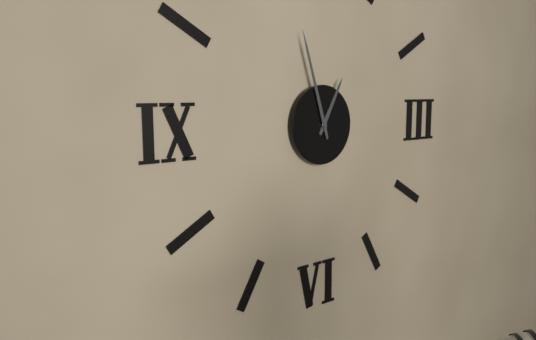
12:57
